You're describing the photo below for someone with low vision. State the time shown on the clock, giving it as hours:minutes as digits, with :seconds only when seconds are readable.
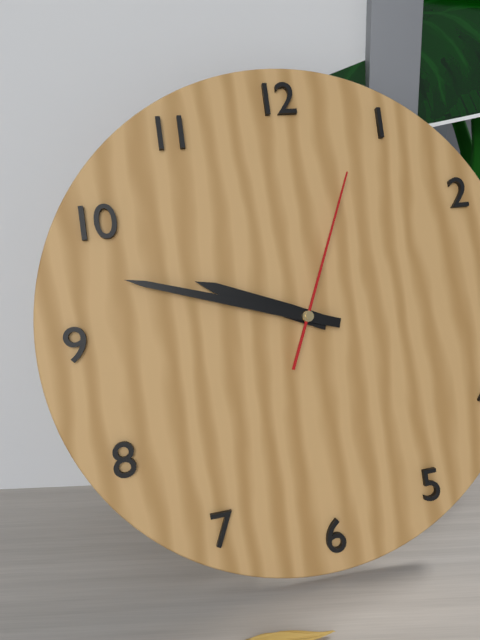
9:48:04
